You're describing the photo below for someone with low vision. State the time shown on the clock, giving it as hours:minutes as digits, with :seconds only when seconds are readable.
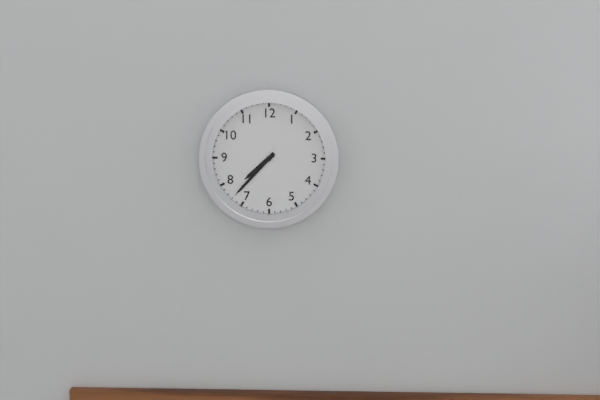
7:37
